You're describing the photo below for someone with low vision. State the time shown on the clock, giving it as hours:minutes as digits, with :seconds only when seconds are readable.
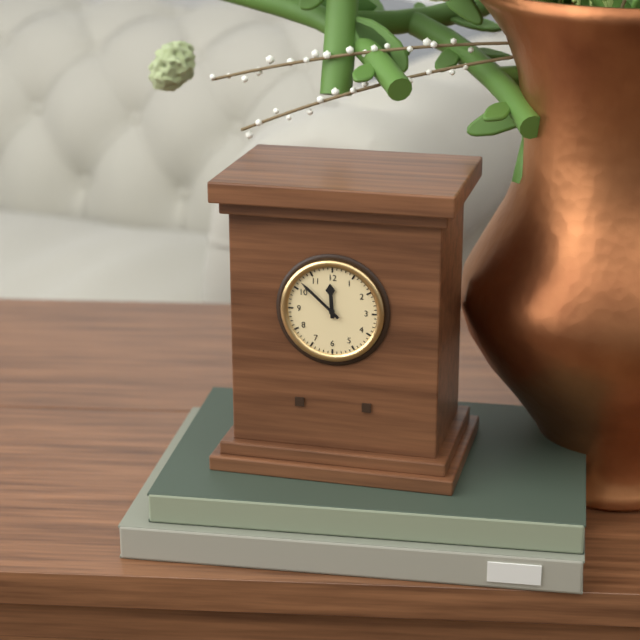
11:52
